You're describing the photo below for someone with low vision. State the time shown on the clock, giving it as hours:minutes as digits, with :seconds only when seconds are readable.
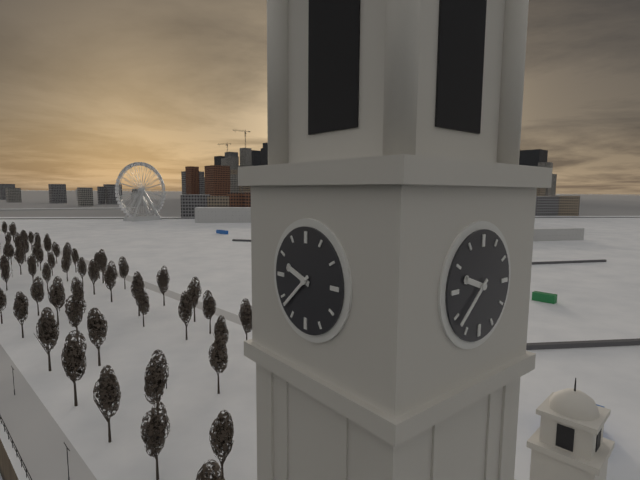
9:38
